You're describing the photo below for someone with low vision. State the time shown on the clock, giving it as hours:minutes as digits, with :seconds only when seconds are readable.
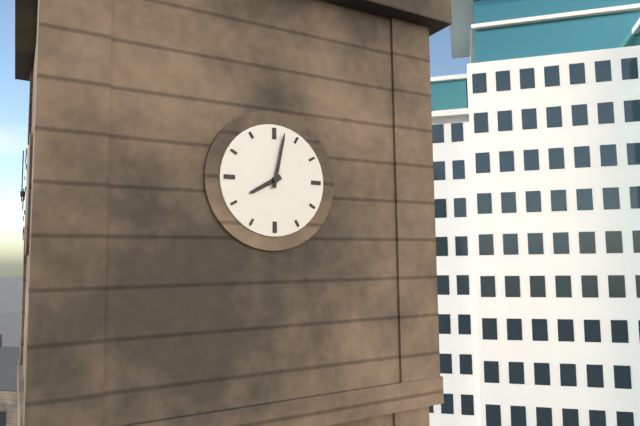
8:02
